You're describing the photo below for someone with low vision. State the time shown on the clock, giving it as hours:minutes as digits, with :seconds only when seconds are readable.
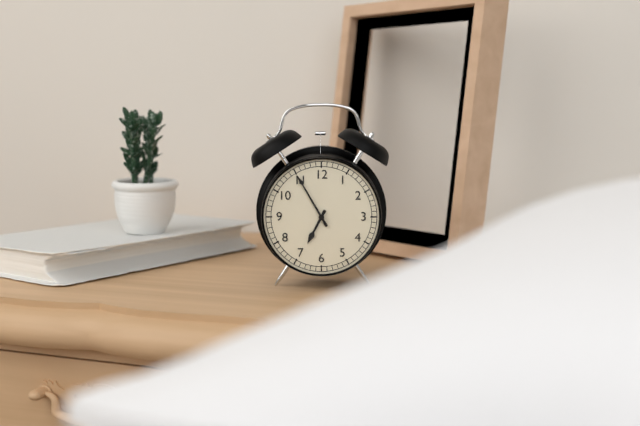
6:55
